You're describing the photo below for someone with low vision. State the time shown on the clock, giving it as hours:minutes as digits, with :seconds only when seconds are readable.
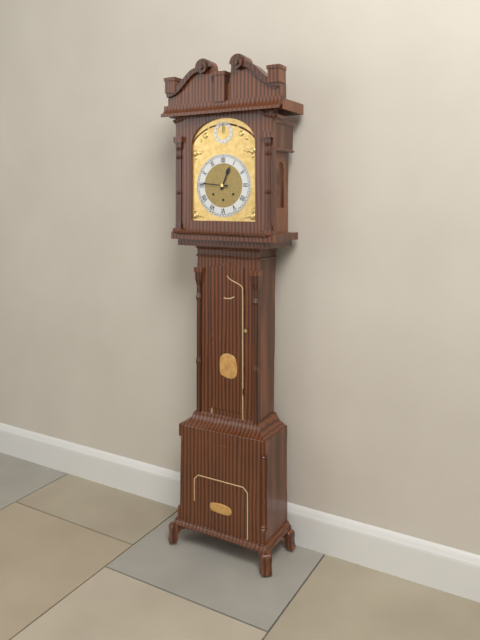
12:46
